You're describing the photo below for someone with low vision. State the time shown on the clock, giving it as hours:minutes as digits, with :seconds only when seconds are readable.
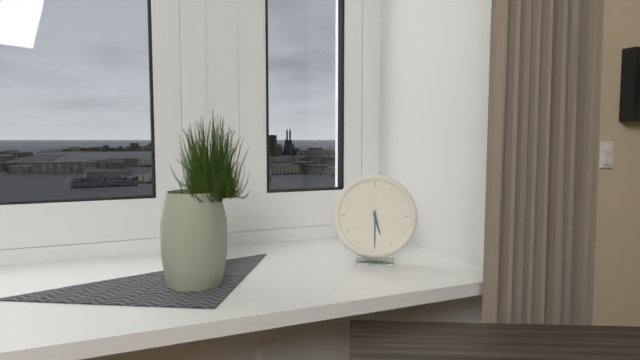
5:30
